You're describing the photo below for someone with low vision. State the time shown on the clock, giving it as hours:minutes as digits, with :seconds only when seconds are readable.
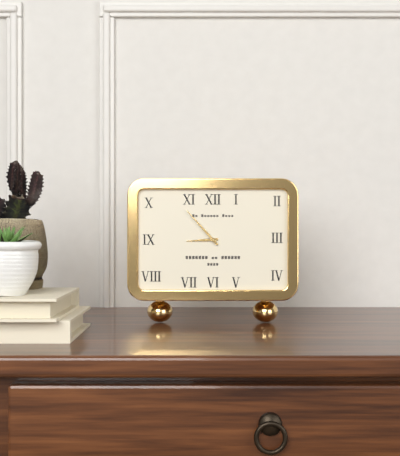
8:53
